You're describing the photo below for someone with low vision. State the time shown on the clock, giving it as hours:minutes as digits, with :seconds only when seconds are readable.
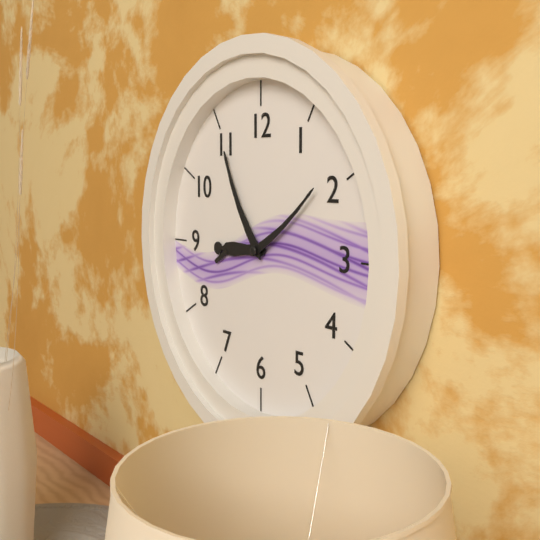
8:55:09
